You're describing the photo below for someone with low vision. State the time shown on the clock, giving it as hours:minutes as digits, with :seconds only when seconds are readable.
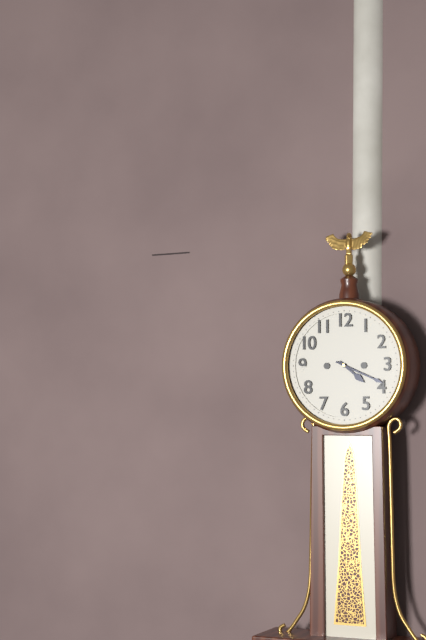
4:19
